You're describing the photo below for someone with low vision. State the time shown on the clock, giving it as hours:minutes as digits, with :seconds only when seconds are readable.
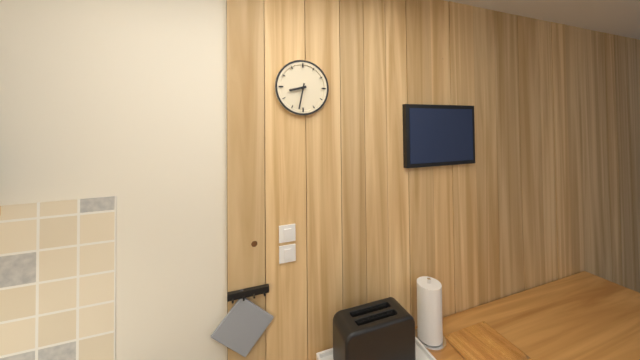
8:32
